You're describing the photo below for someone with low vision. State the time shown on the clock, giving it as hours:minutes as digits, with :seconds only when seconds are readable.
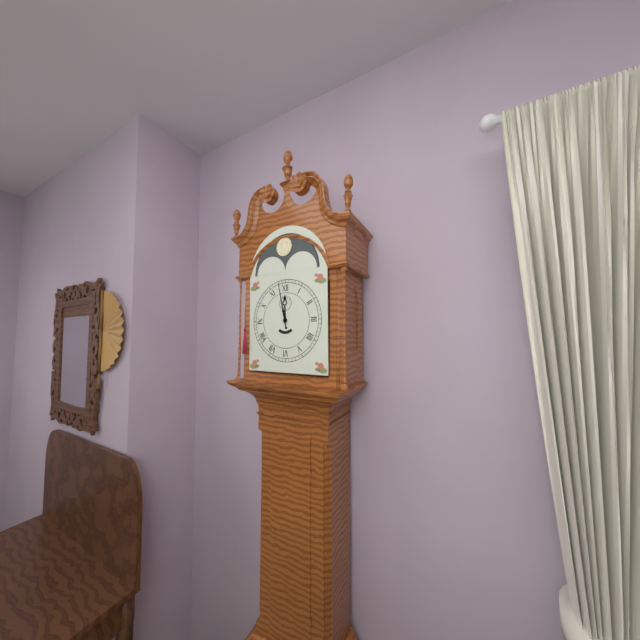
11:58
